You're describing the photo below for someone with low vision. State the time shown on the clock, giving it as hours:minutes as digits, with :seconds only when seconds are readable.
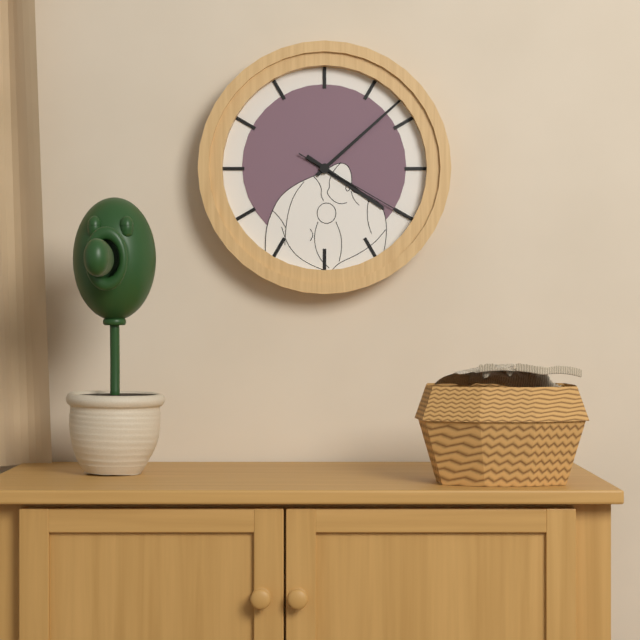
4:08:20
